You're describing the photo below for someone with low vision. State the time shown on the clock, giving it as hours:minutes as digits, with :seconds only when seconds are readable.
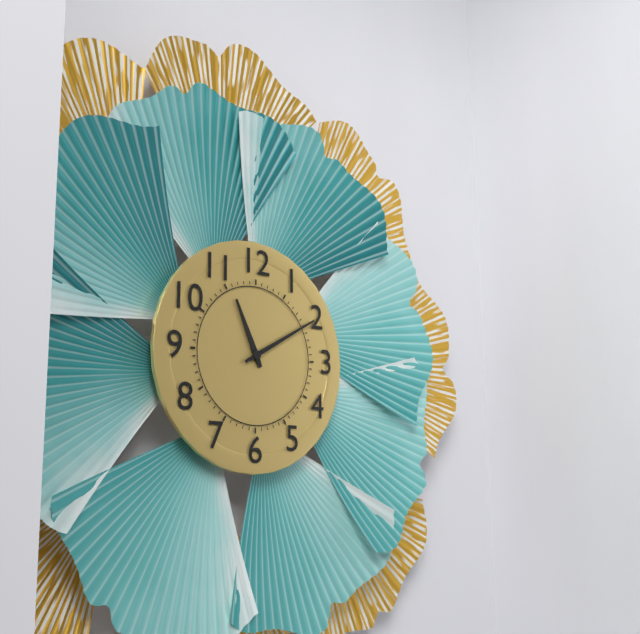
11:10
